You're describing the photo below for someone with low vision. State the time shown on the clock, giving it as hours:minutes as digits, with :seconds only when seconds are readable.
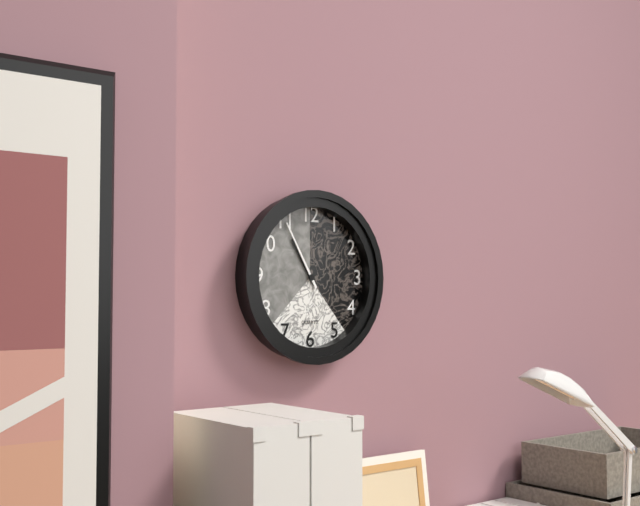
10:55
